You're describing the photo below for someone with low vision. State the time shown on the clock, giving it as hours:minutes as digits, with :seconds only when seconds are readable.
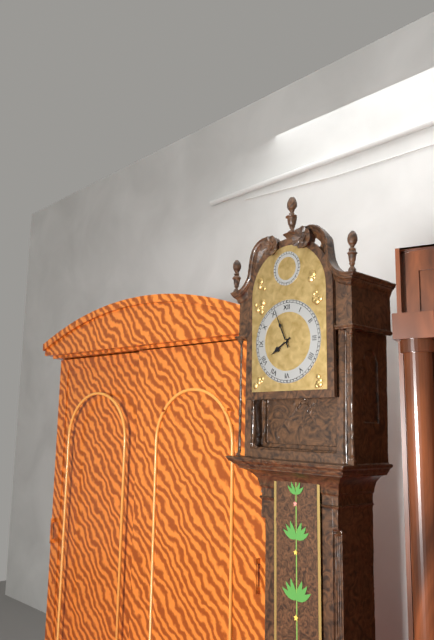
7:56
